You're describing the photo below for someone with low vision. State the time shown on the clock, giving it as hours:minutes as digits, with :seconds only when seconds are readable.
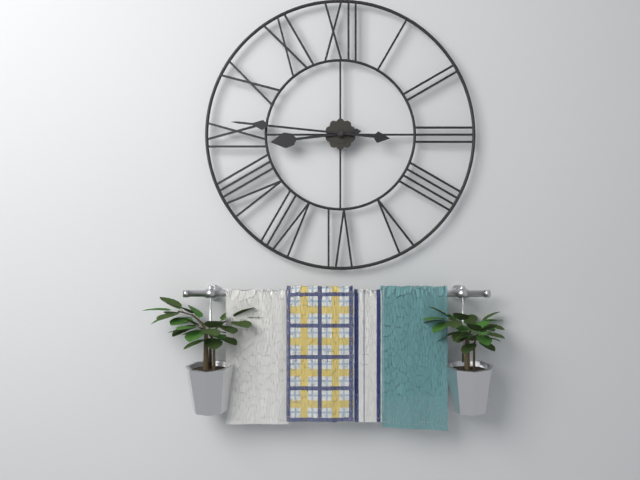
8:46
